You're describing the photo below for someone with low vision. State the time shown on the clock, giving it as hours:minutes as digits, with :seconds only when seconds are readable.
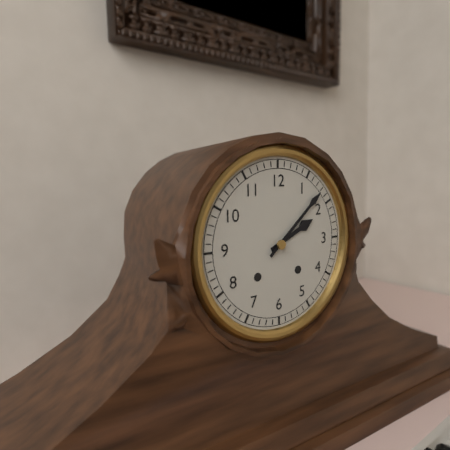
2:08
